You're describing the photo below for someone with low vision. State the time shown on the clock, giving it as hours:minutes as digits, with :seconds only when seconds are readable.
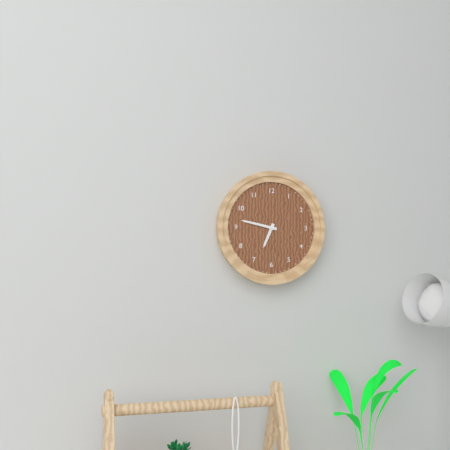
6:47
